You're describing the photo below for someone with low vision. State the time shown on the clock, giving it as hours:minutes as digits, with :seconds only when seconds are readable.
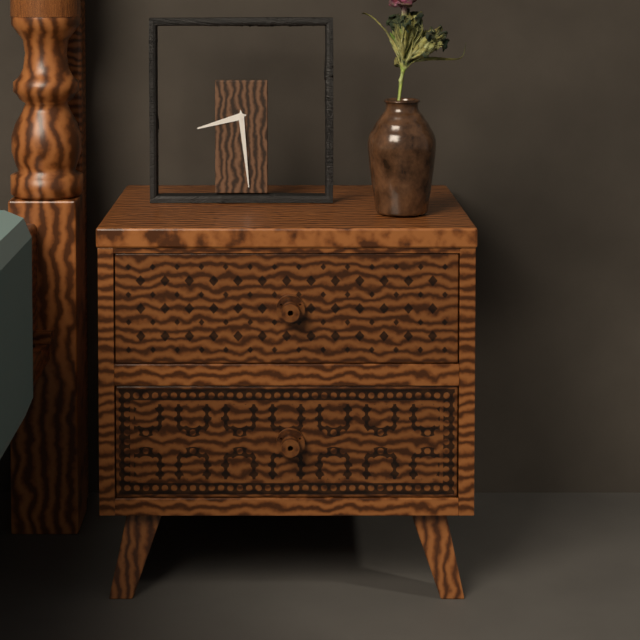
8:29
